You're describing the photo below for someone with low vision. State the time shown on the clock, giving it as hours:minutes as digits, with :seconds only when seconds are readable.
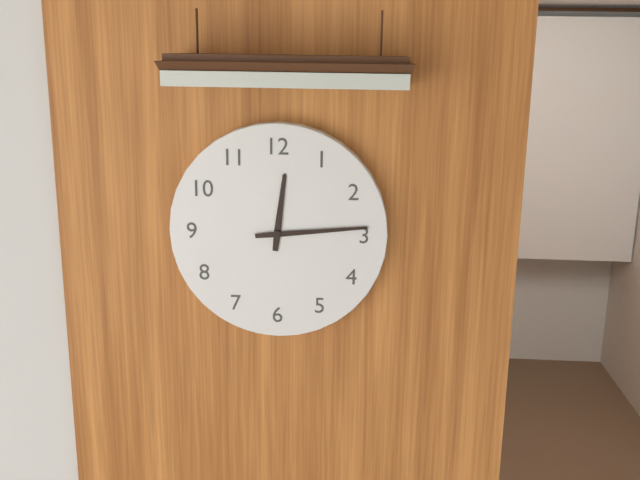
12:14
